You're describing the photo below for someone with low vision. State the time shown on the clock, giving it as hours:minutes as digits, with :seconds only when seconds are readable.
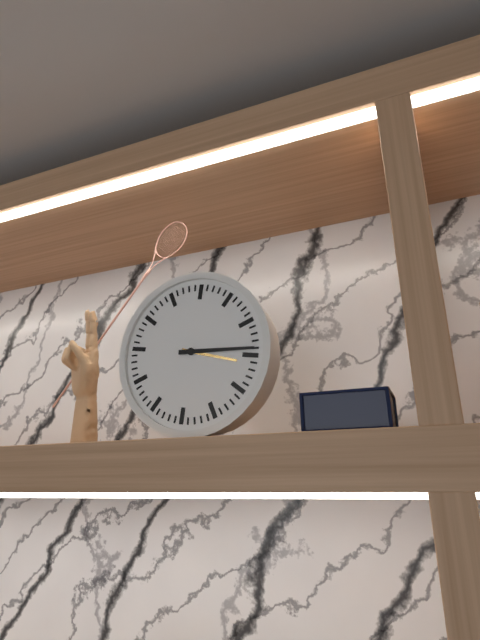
3:14
